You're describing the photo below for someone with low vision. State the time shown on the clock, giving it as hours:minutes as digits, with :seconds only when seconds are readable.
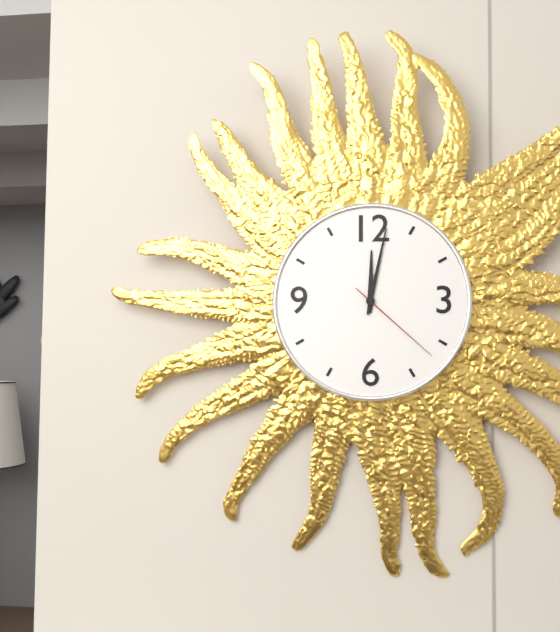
12:02:22
